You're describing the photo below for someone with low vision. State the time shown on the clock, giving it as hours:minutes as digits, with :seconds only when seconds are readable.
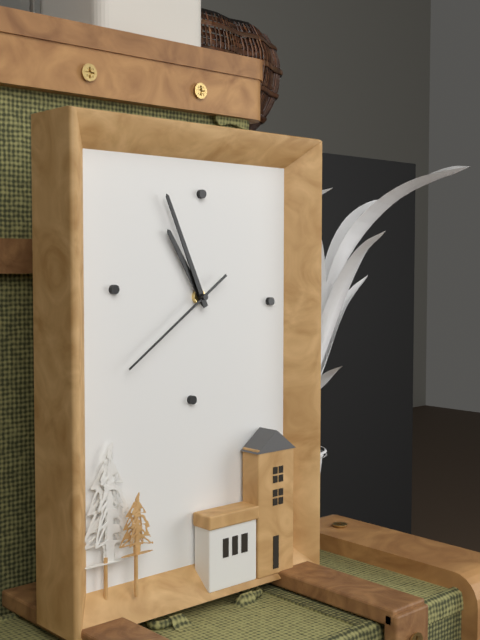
10:56:39
